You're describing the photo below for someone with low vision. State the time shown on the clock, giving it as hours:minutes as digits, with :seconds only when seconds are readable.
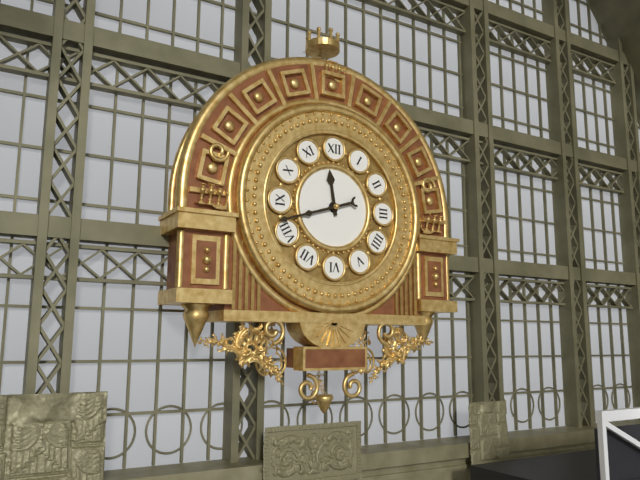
11:42
